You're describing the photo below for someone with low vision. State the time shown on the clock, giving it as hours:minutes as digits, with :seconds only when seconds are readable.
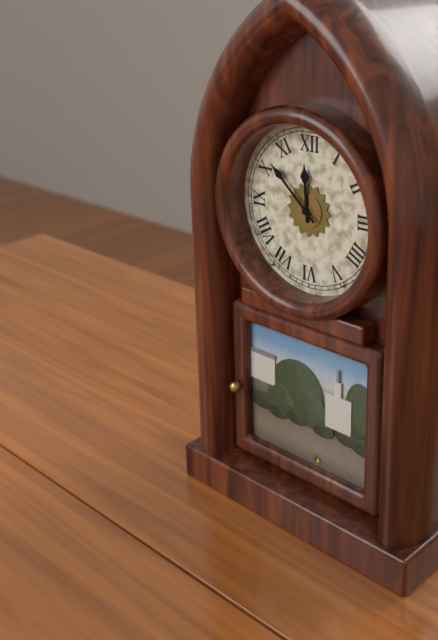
11:52
